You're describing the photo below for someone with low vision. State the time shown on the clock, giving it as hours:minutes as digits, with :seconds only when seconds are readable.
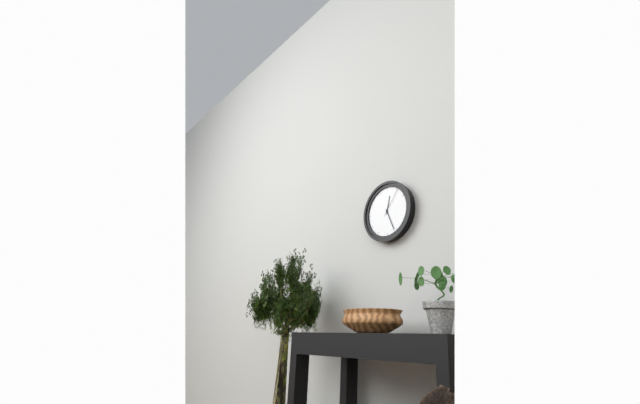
12:26
